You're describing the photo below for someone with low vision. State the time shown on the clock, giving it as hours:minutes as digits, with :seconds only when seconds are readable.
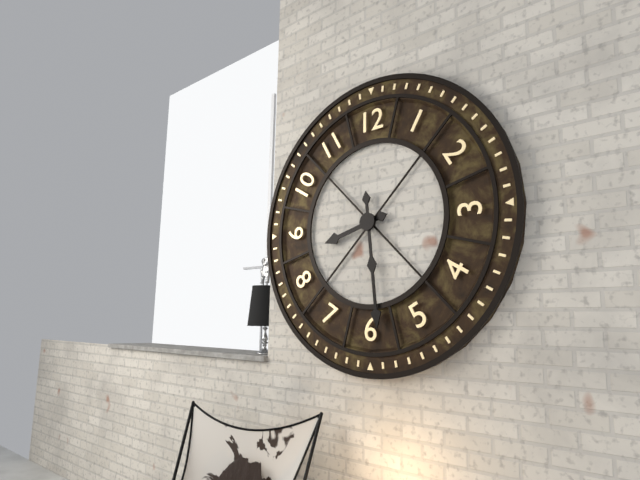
8:29
